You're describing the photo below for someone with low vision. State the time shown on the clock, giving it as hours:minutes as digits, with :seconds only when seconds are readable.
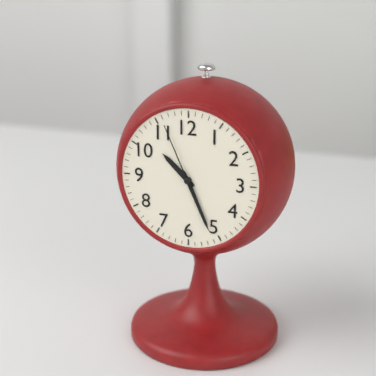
10:26:56
